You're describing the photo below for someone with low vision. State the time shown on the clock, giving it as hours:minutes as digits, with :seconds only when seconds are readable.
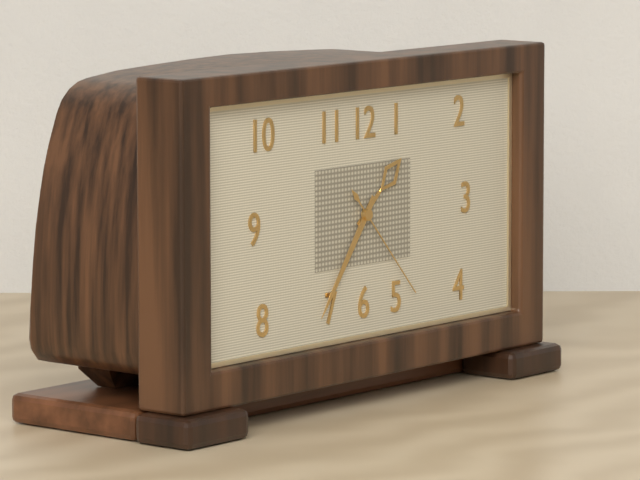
1:36:23
